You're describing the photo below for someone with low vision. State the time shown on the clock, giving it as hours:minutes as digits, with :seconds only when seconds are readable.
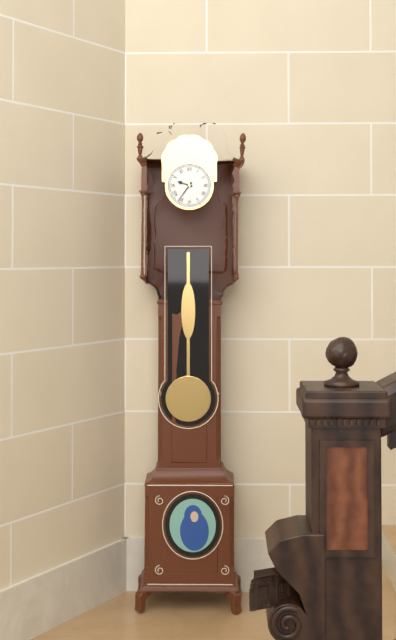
9:36
